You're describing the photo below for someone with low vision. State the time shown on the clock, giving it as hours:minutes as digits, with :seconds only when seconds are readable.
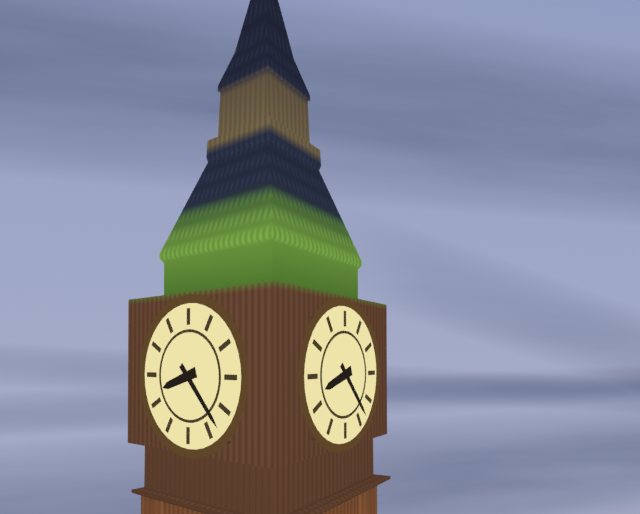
8:23
